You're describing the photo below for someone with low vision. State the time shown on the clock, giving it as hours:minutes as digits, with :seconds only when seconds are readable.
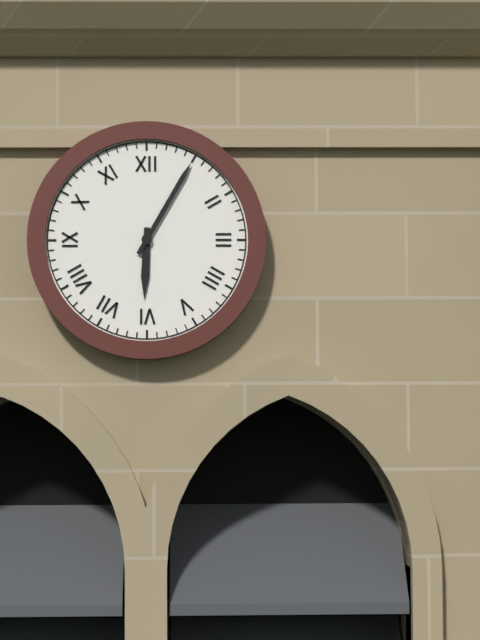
6:05
